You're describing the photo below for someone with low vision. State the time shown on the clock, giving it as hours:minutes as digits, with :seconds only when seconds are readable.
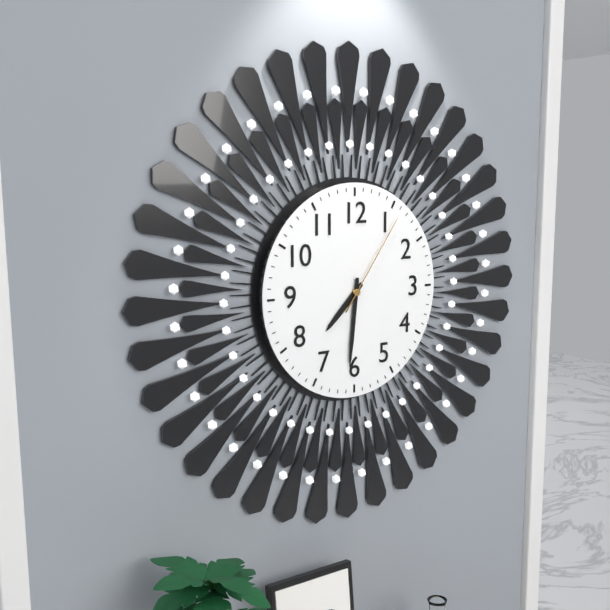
7:31:06
